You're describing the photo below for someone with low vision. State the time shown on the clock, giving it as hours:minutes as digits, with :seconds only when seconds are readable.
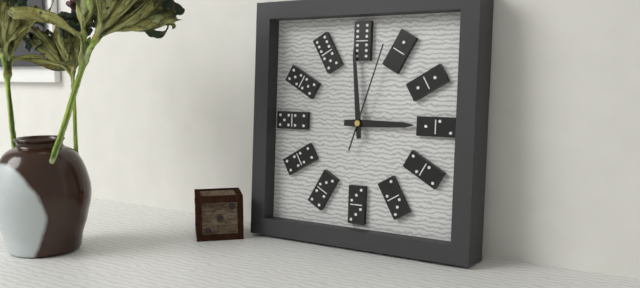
2:59:03
